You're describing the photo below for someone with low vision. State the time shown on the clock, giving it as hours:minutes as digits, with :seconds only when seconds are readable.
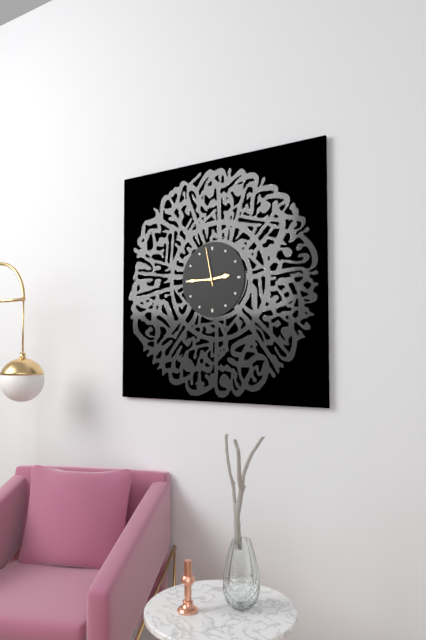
2:45
